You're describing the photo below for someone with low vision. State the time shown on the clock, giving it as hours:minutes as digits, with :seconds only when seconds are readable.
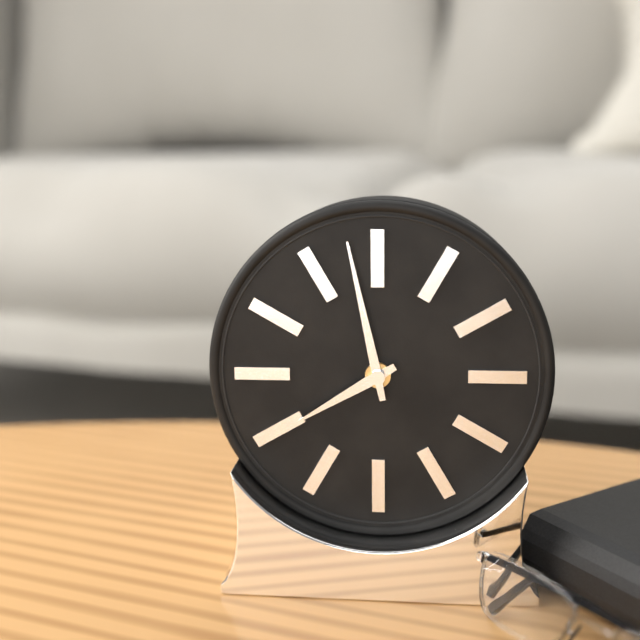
7:58
